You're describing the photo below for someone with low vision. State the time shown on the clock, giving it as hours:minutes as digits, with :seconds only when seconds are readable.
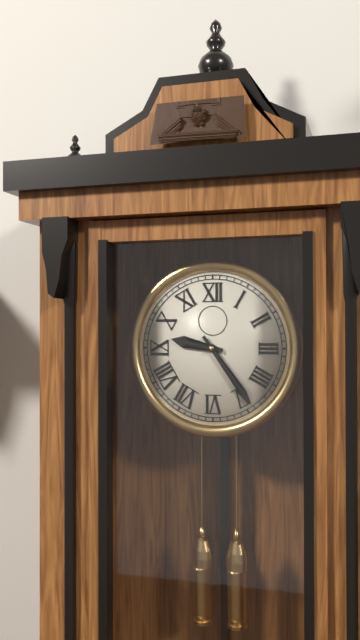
9:24
